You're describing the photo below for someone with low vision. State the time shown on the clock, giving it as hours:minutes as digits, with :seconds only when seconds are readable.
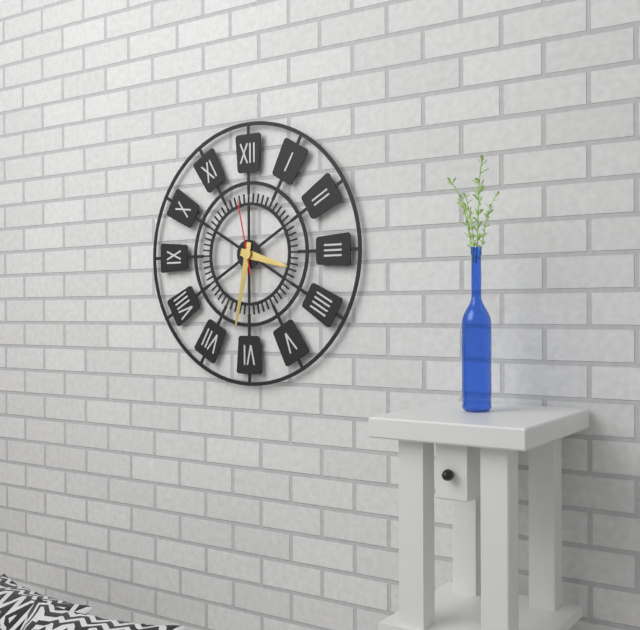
3:32:58
